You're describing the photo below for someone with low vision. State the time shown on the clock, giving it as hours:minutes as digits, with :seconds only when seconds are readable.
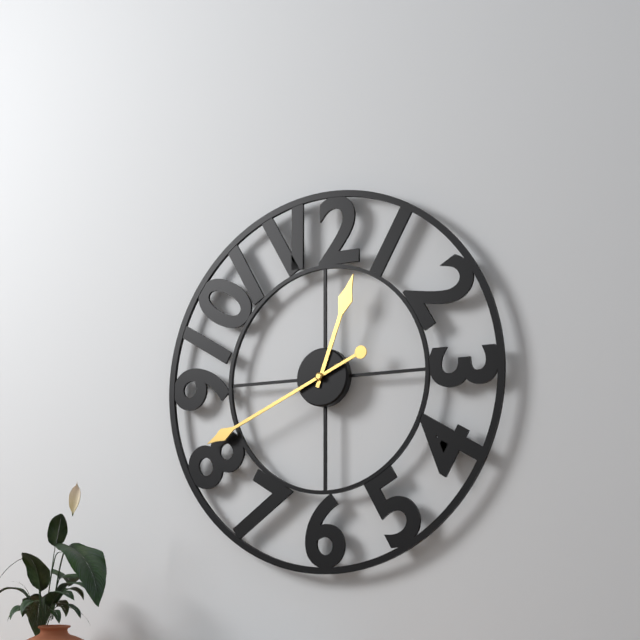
12:41
